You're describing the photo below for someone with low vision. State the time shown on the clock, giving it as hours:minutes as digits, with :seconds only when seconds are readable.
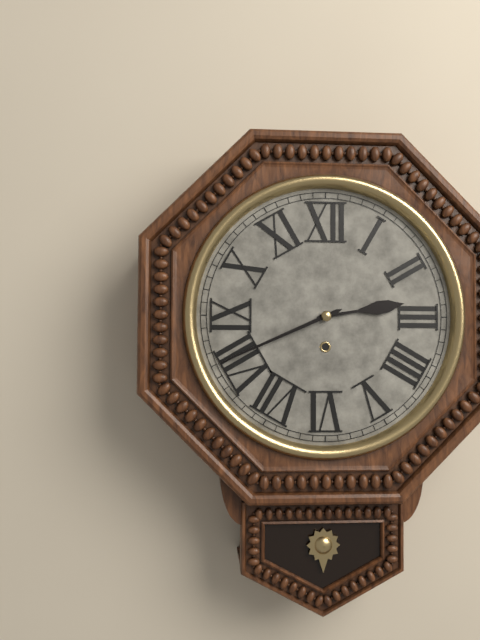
2:41
